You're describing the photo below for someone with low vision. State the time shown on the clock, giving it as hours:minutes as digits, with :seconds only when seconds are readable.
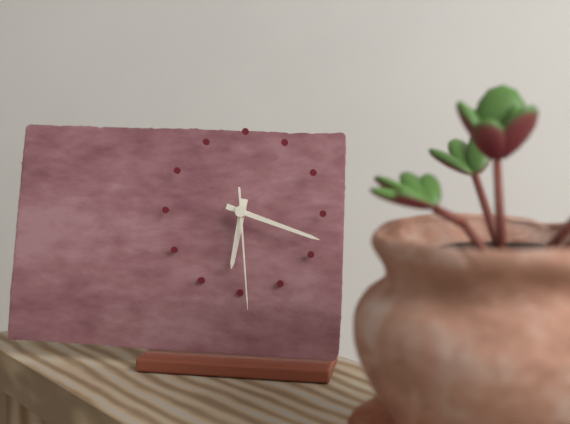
6:18:29
